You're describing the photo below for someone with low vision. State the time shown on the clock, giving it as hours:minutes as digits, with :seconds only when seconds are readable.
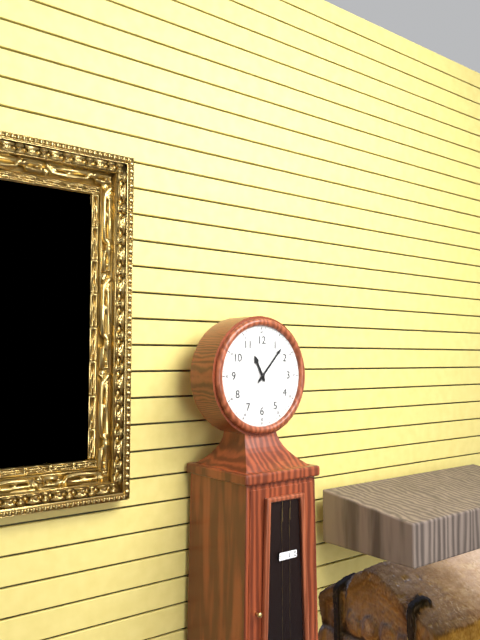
11:07
